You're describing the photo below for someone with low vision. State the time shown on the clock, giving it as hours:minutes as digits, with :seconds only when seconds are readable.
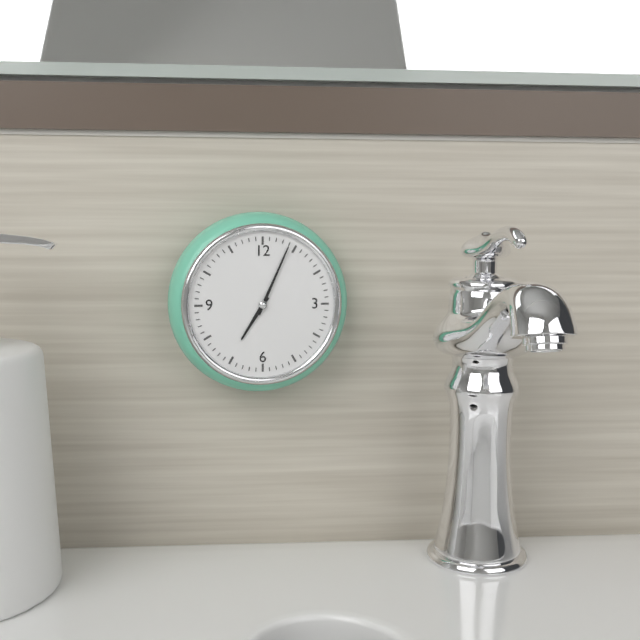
7:04
